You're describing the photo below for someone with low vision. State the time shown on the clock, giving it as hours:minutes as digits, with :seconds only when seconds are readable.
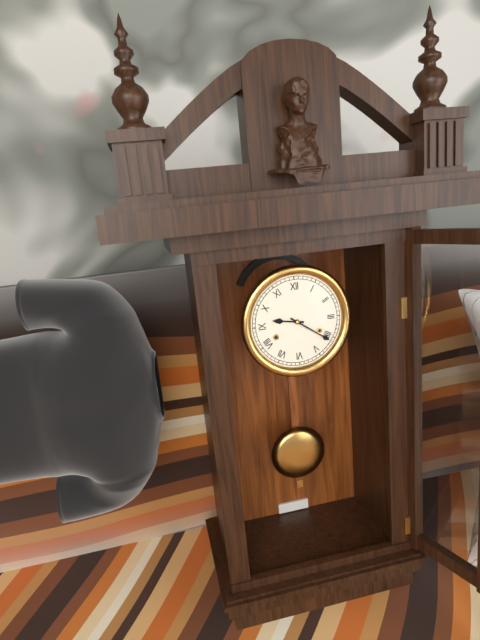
9:21
